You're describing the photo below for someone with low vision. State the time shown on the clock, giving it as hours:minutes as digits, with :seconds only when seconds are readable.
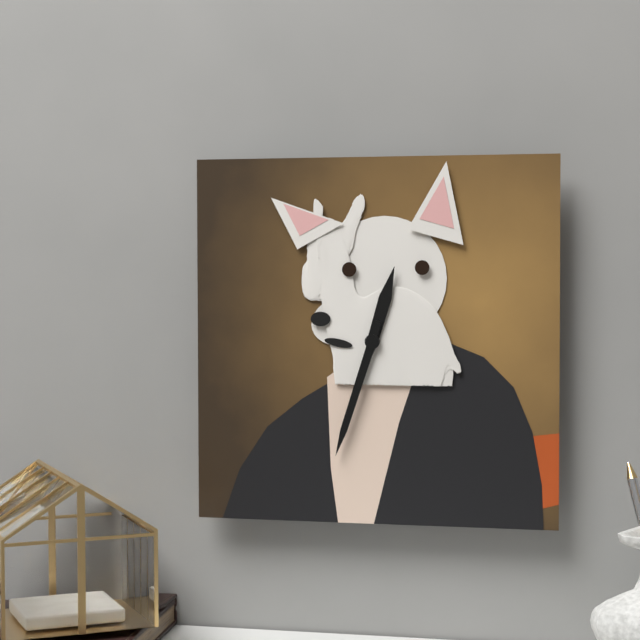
12:33
